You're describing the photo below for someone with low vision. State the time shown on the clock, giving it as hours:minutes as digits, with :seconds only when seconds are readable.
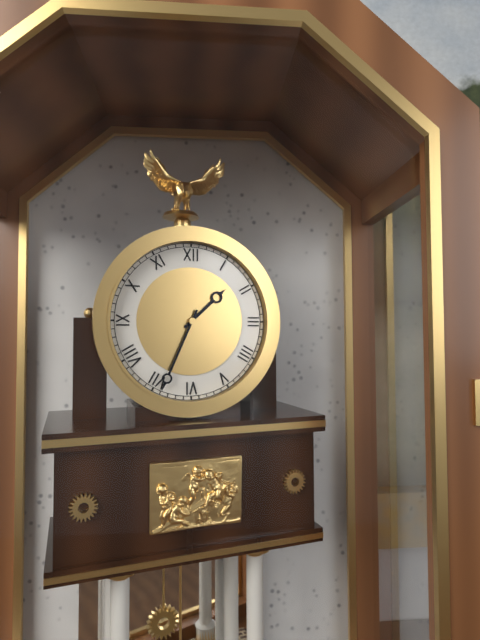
1:34
